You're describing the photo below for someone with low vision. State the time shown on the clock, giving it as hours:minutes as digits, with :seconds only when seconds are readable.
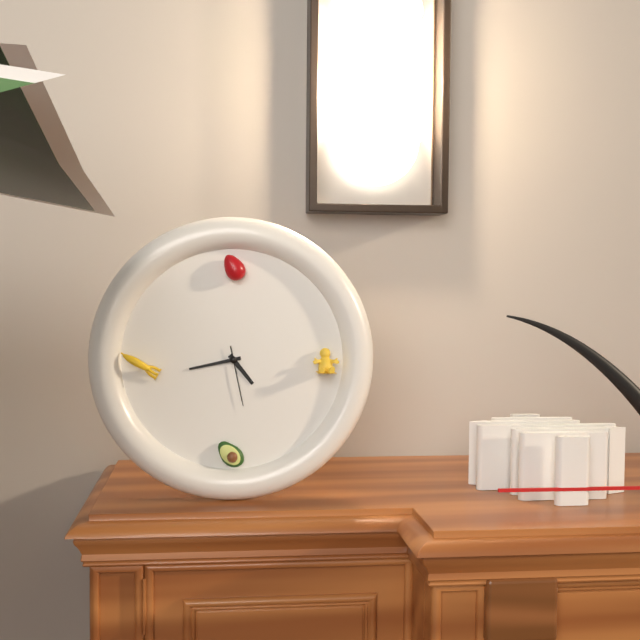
4:43:28
